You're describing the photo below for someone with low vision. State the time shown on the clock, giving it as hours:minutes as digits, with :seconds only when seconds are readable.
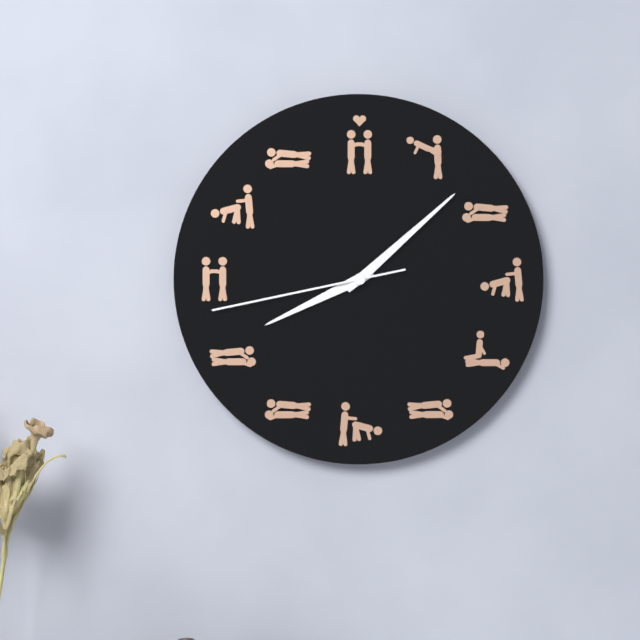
8:08:43
